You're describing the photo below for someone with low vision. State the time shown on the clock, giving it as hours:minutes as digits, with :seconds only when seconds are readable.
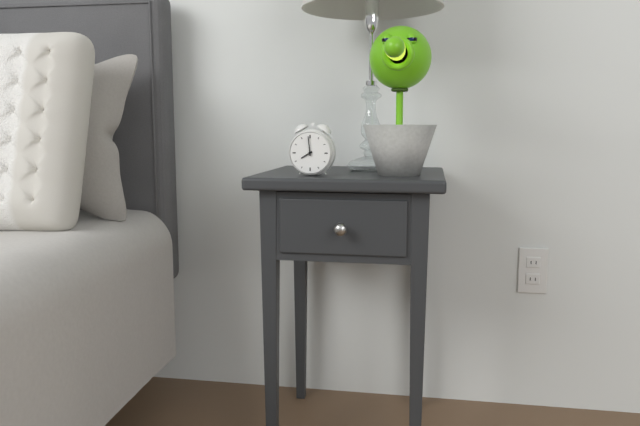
7:59
